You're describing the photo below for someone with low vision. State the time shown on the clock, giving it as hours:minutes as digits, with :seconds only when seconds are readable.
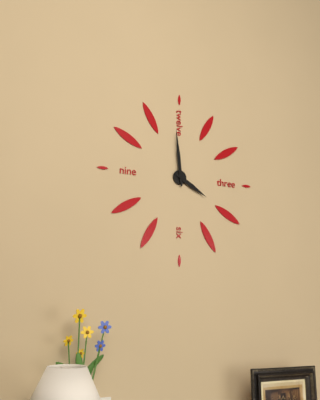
3:59
